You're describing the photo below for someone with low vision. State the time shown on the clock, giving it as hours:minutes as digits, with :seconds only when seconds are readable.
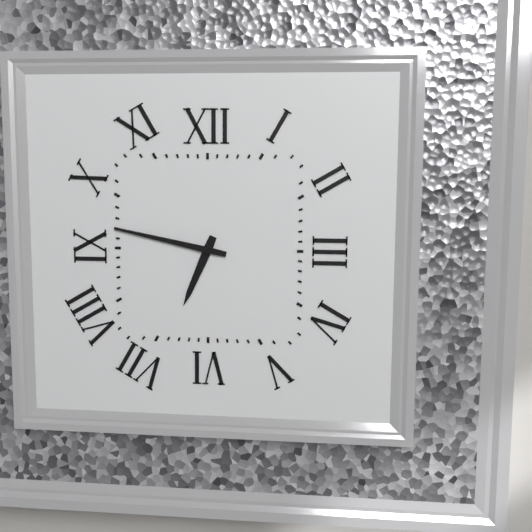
6:47
